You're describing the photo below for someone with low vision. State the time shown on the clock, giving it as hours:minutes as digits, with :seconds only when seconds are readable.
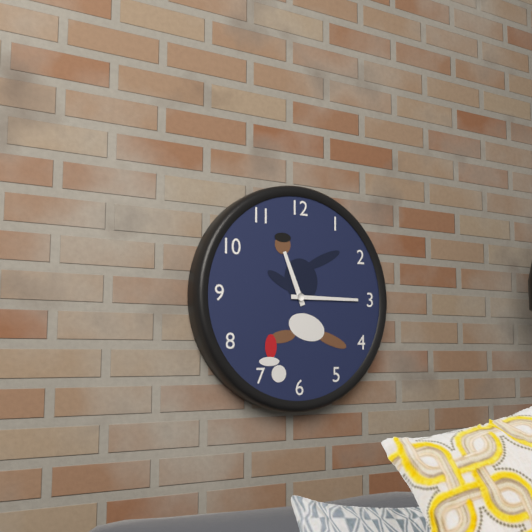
11:15
